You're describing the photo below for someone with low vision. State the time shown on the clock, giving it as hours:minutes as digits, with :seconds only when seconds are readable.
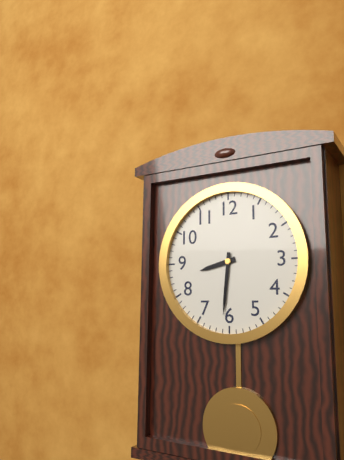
8:31
